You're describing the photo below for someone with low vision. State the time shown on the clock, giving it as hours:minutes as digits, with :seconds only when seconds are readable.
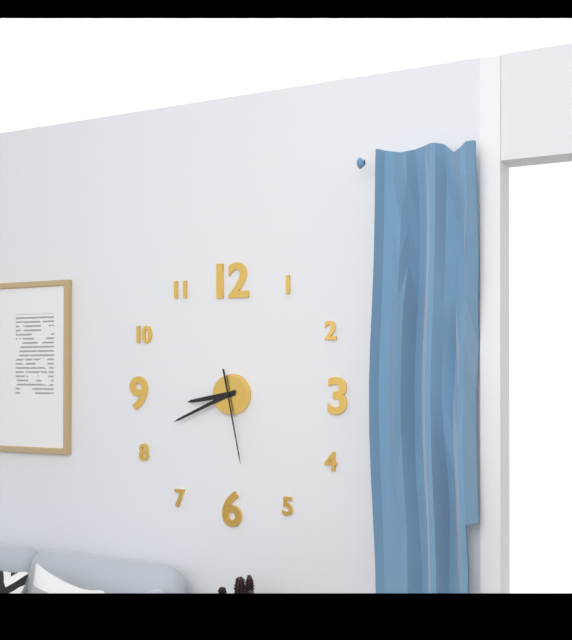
8:41:28
